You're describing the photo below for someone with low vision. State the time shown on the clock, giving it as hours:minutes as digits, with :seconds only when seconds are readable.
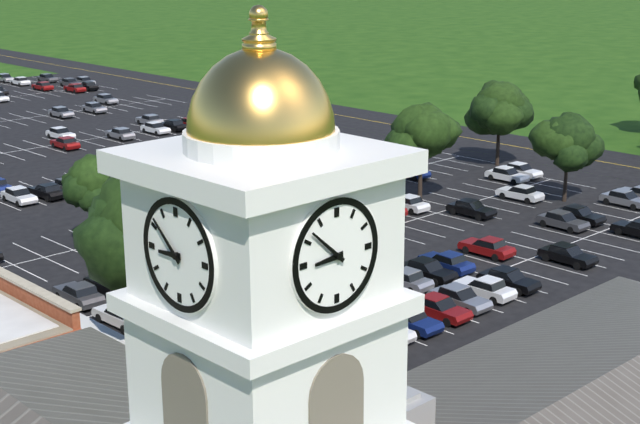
8:52
